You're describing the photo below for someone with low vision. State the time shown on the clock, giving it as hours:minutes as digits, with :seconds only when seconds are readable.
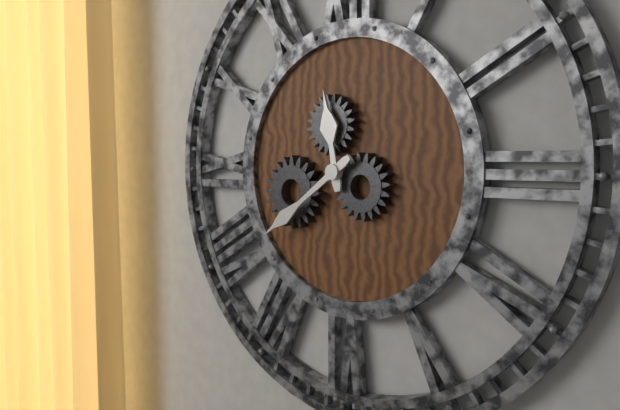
11:39
